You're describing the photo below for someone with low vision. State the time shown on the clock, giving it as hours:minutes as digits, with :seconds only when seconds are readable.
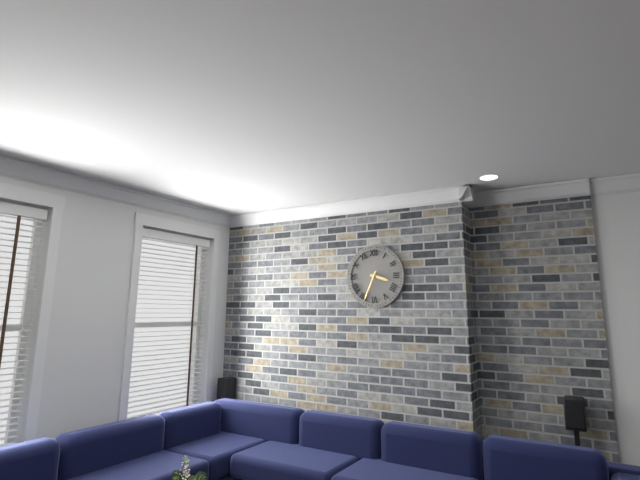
3:34
